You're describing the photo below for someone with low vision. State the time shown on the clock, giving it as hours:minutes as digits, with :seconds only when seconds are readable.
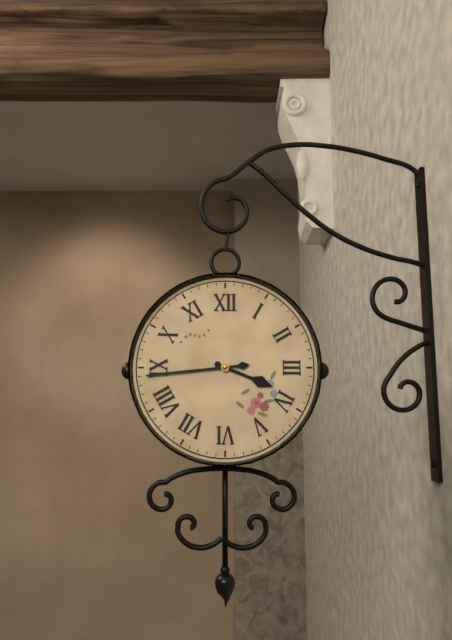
3:44
